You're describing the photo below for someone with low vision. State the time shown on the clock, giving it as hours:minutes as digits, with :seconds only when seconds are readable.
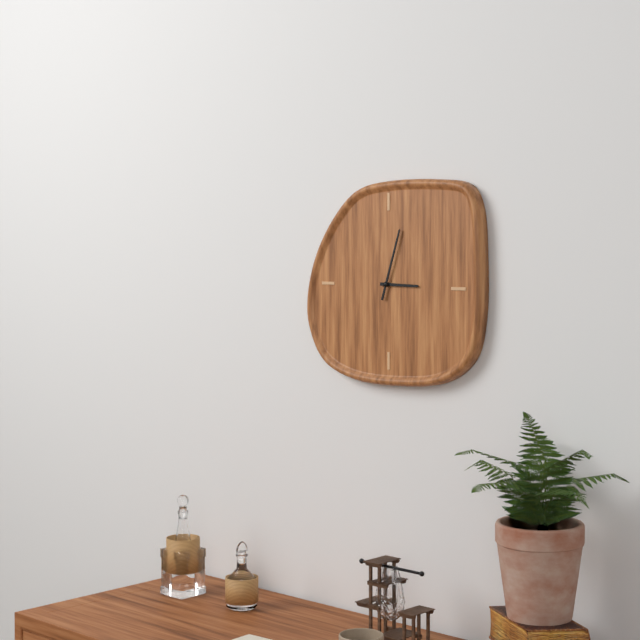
3:03
